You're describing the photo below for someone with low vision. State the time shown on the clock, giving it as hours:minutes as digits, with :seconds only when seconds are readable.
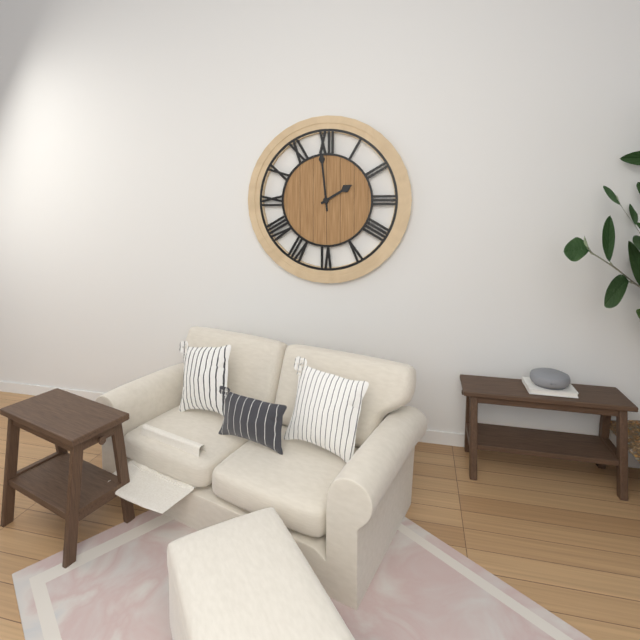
1:59
